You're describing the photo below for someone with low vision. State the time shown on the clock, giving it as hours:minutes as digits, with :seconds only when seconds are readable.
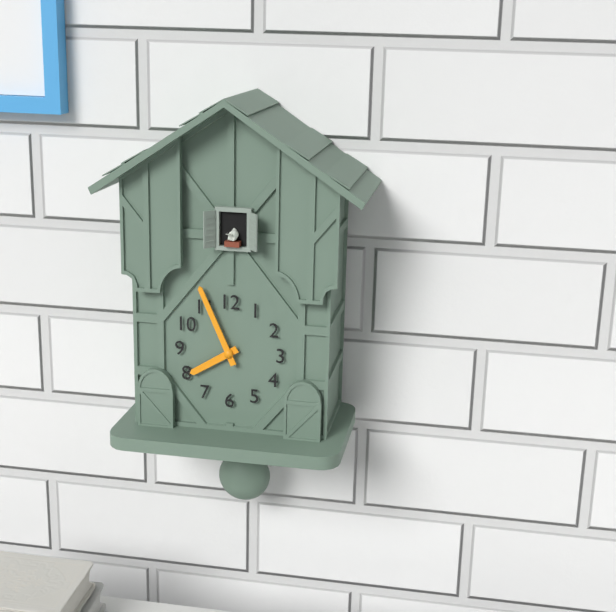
7:56
